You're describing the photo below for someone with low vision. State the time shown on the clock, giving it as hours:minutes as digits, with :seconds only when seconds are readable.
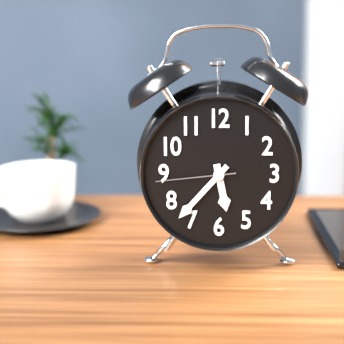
5:37:44
